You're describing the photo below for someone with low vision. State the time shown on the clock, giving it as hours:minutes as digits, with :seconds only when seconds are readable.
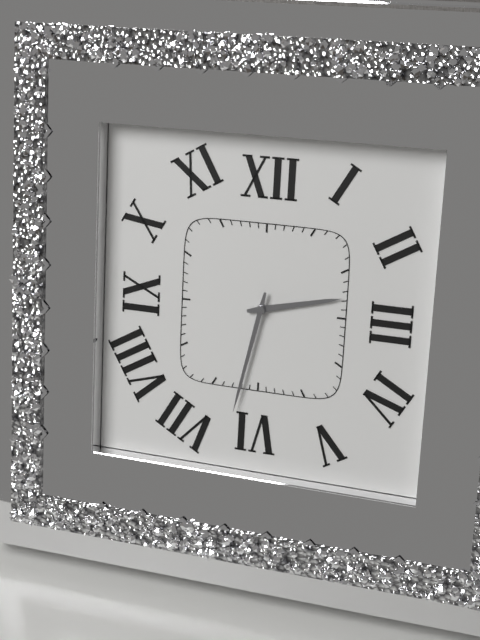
2:32
